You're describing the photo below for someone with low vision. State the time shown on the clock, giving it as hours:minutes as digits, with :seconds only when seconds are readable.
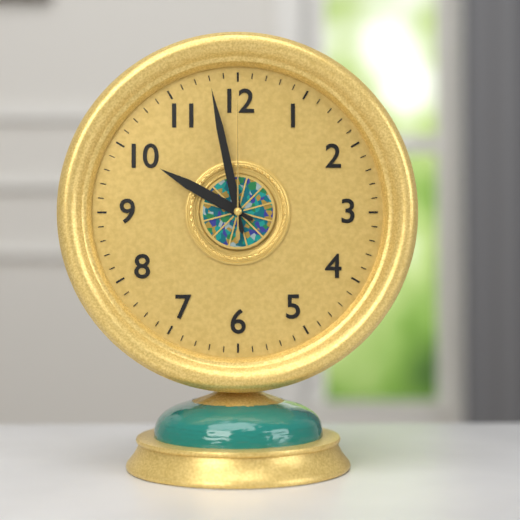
9:58:00
